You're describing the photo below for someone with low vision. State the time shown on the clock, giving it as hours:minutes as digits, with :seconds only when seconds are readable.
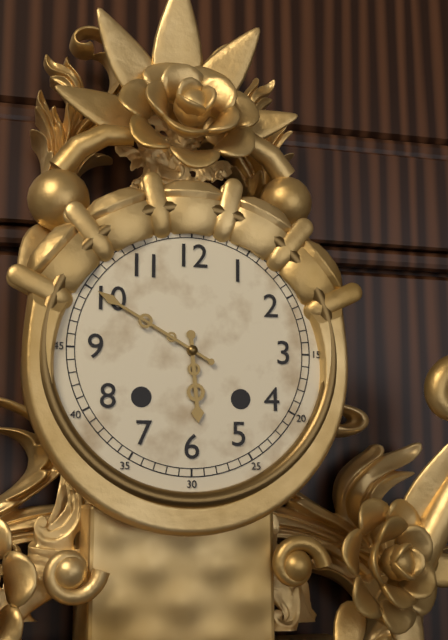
5:50
